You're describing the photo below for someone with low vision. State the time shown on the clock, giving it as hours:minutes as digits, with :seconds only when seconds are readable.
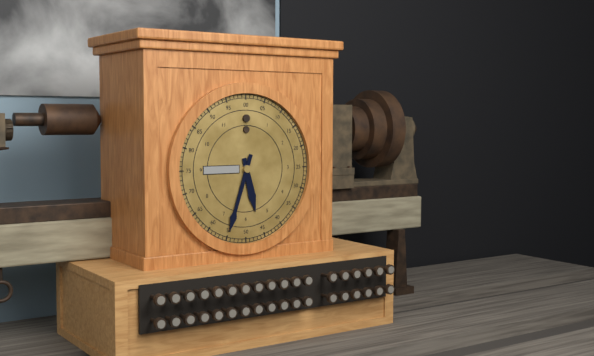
5:33
